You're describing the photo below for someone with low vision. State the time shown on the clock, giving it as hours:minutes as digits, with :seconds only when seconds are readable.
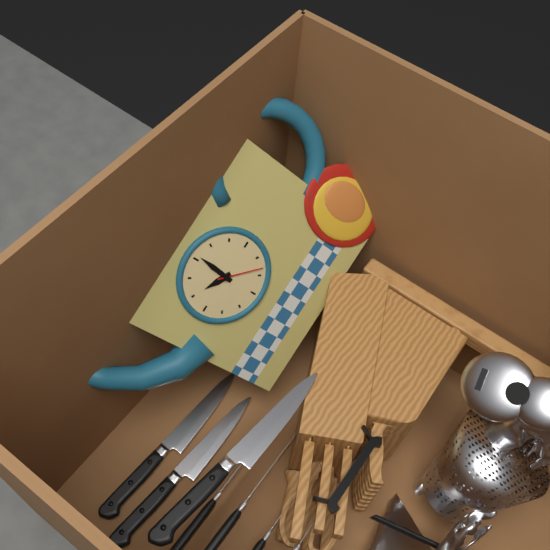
10:01:23
